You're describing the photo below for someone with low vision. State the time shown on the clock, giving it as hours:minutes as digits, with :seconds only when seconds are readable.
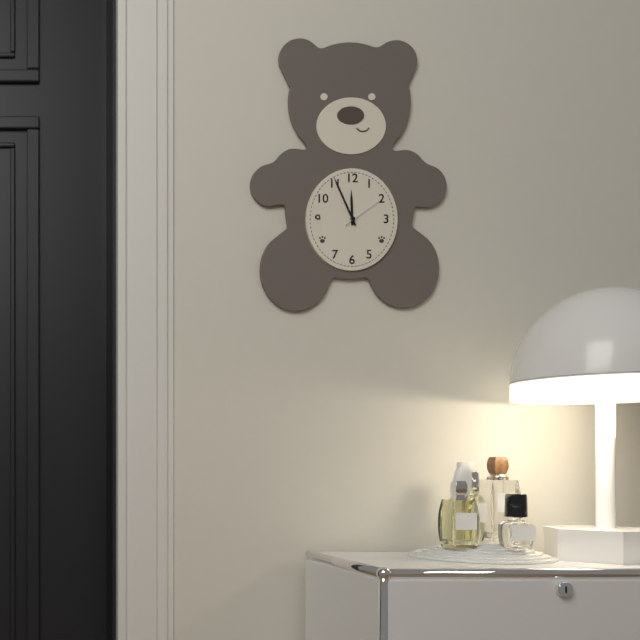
11:56
